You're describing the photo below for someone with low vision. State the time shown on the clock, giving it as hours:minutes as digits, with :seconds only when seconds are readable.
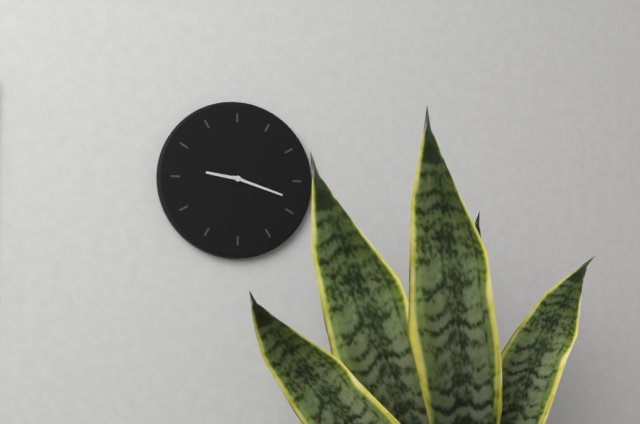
9:18
